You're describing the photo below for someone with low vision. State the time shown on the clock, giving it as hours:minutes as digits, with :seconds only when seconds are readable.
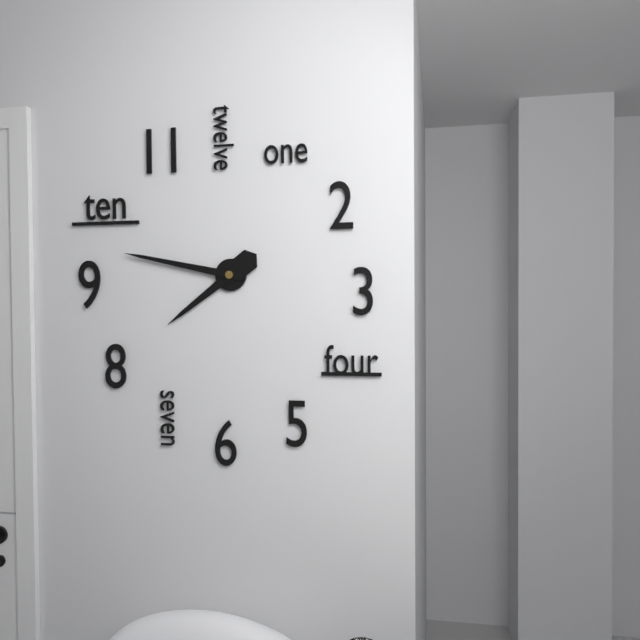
7:47
